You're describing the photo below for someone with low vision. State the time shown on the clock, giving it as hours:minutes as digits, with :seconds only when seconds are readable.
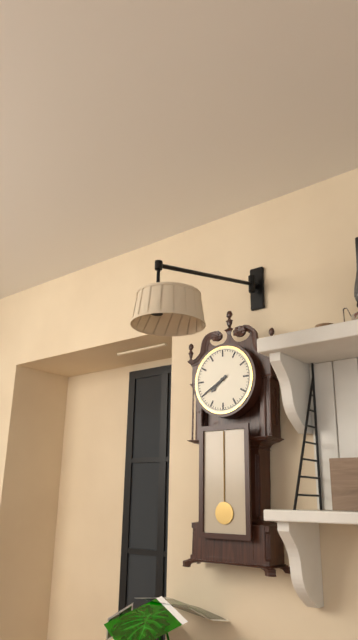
7:40
